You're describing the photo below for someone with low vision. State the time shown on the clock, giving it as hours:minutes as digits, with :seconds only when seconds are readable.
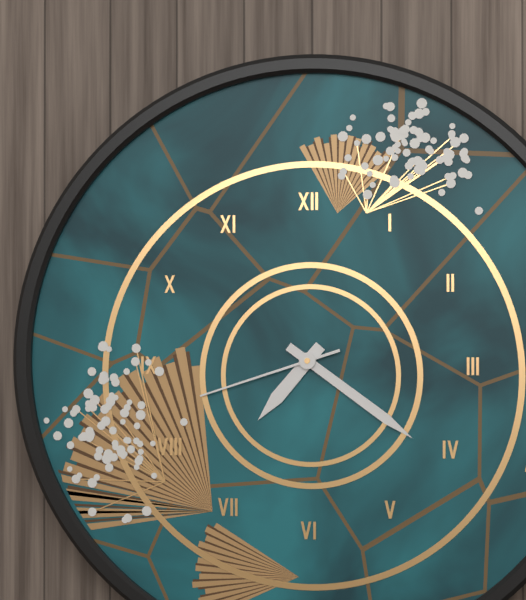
7:21:42
